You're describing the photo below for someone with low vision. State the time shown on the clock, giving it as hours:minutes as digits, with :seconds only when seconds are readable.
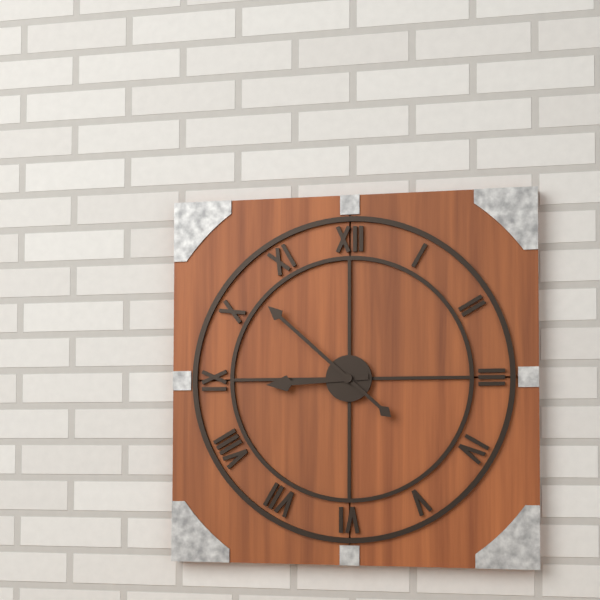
8:52
